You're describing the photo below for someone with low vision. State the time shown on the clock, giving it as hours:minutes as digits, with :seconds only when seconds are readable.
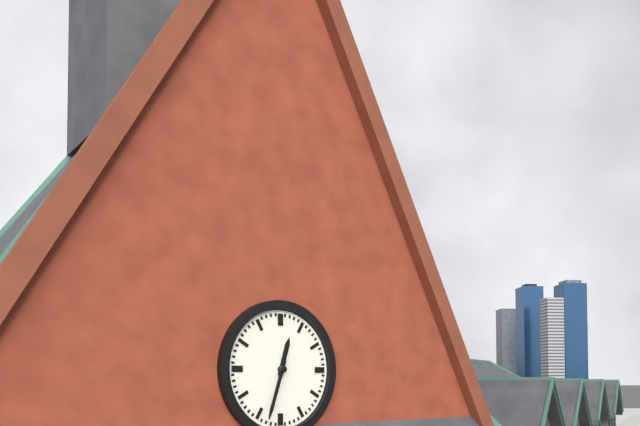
12:33
